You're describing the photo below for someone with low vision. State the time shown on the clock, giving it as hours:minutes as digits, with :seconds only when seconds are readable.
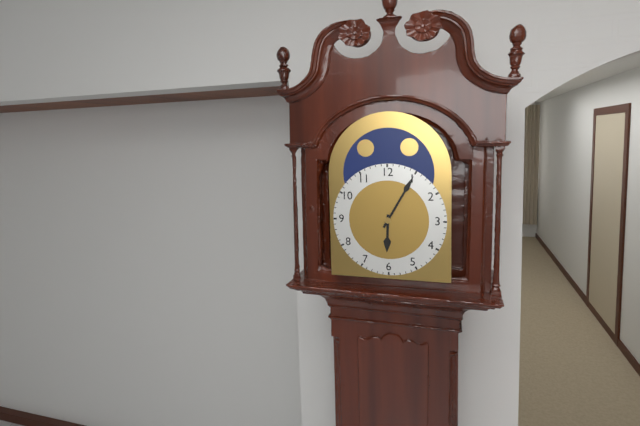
6:05
